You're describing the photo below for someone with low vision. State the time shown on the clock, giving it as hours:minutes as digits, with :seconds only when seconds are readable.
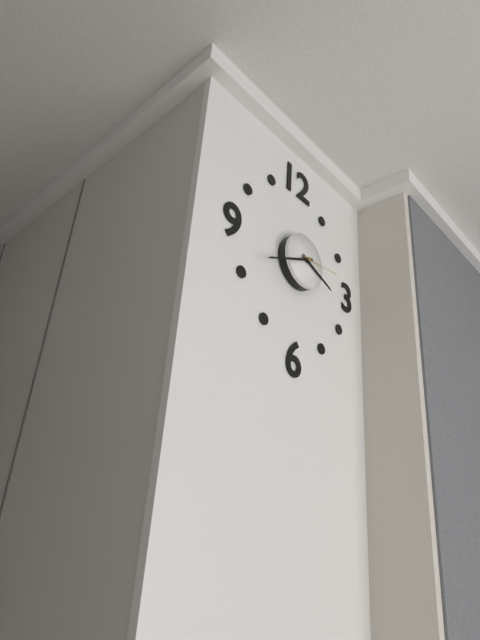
3:41
